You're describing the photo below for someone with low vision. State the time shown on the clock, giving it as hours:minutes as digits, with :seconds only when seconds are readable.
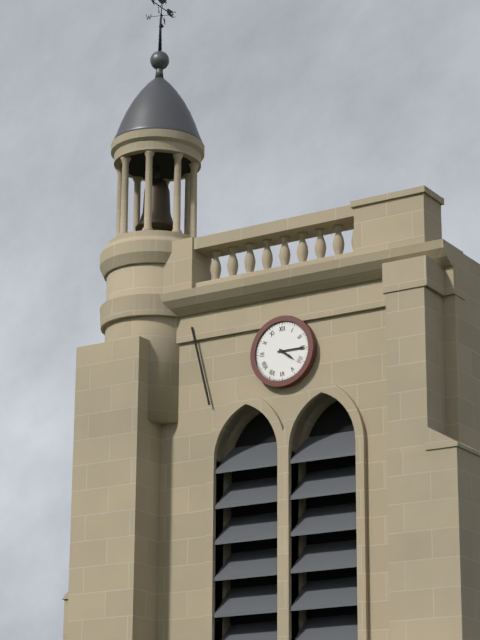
4:15
